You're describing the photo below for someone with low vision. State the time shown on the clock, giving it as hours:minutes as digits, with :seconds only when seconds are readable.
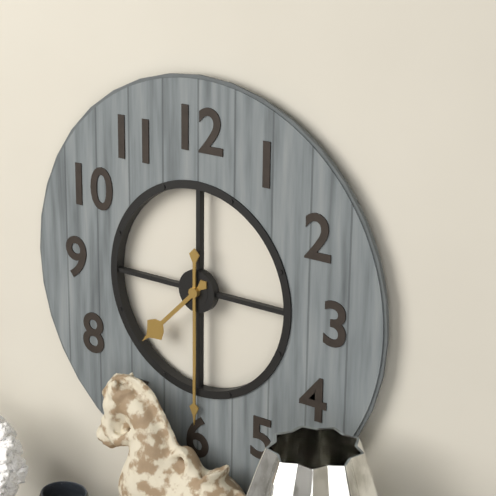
7:30
